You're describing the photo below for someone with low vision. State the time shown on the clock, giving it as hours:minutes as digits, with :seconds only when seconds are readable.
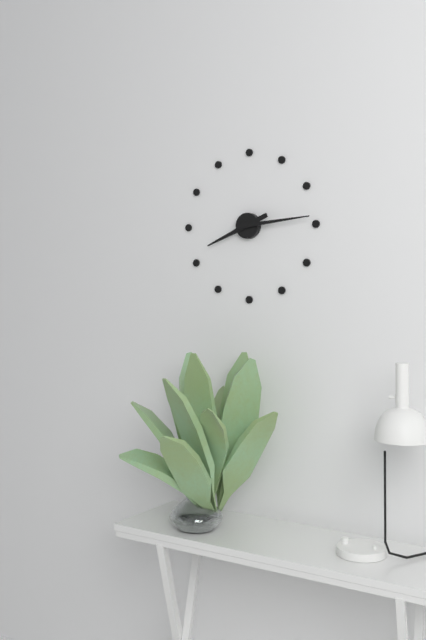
8:14
